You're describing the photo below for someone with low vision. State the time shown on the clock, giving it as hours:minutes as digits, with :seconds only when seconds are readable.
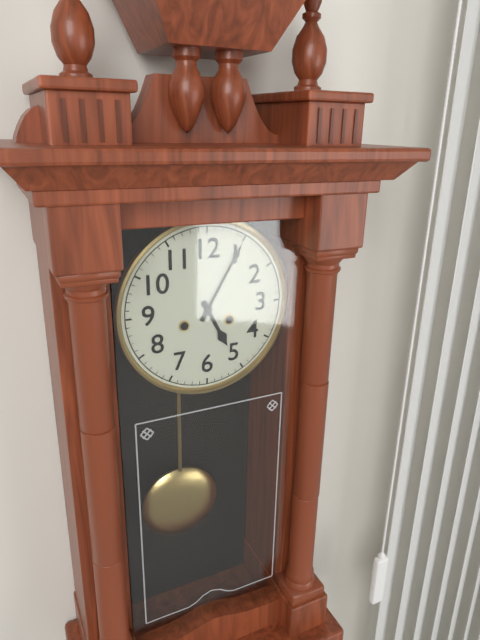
5:05
